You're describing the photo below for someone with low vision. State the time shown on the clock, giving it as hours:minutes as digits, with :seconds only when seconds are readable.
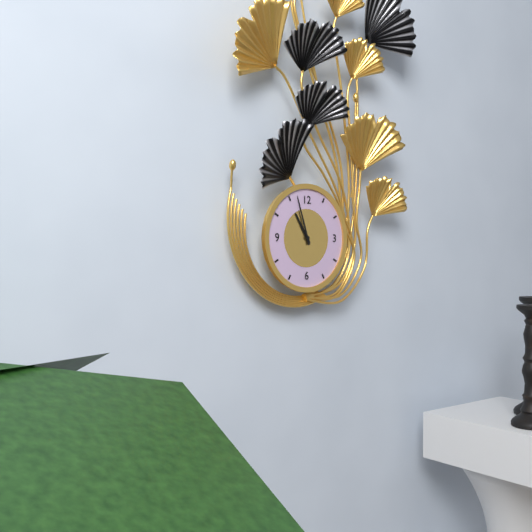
10:57
